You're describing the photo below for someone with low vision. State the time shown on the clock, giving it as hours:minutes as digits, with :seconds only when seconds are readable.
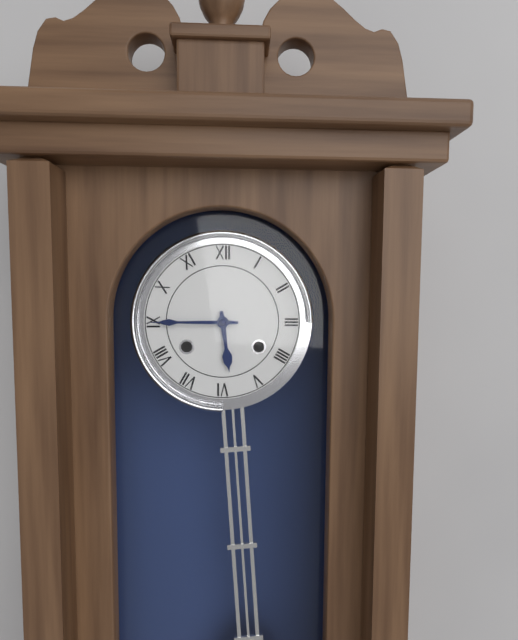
5:45
